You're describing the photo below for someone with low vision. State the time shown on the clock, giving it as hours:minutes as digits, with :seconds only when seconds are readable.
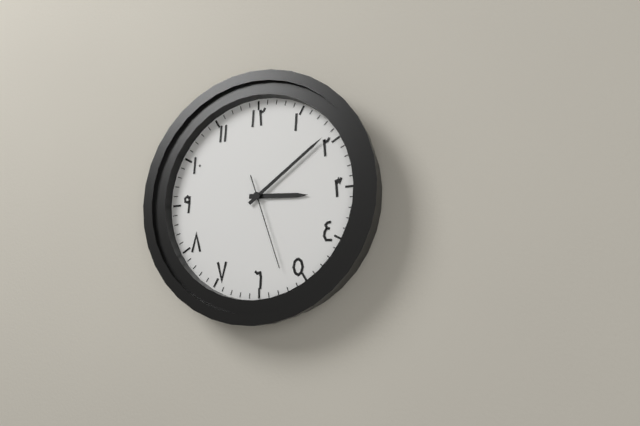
3:09:27
